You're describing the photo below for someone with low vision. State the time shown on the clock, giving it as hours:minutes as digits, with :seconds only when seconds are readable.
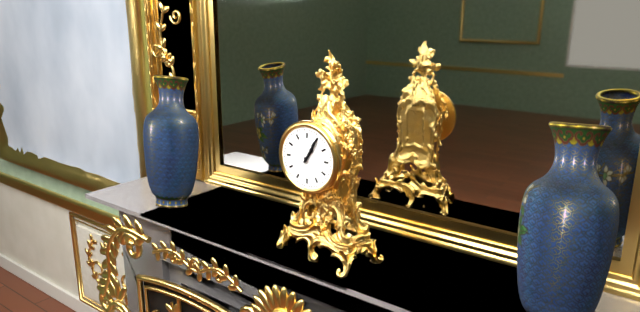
1:05
